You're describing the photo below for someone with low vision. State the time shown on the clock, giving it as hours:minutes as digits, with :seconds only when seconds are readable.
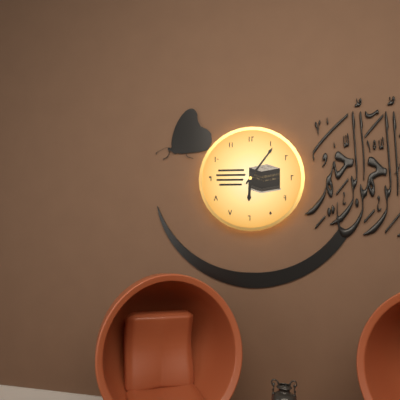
6:06
